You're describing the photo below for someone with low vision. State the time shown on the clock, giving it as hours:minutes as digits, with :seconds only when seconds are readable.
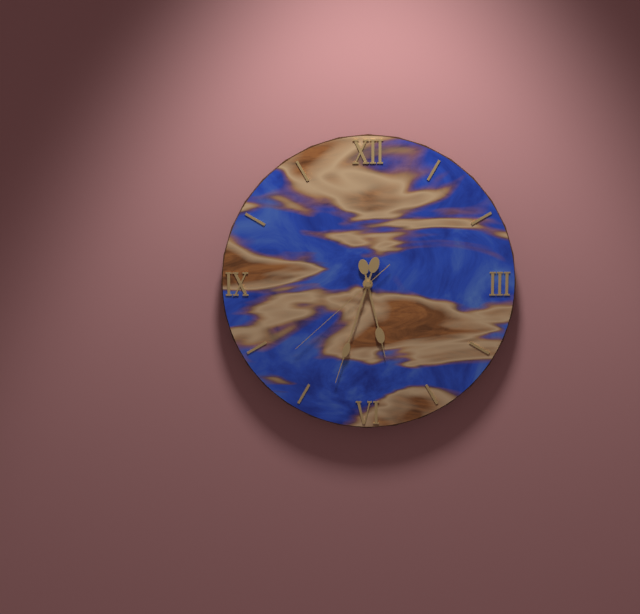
5:33:38
